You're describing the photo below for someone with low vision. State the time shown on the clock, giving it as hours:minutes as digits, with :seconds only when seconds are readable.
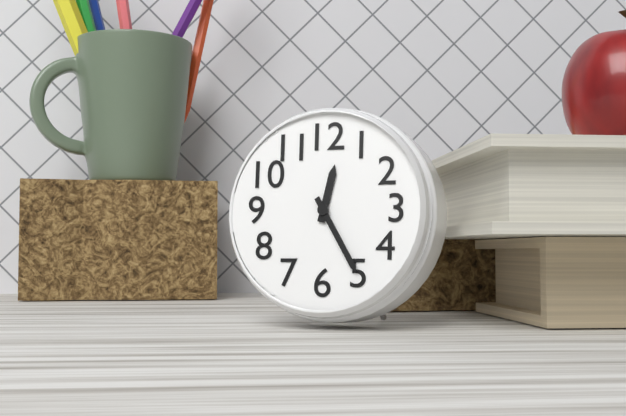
12:25
